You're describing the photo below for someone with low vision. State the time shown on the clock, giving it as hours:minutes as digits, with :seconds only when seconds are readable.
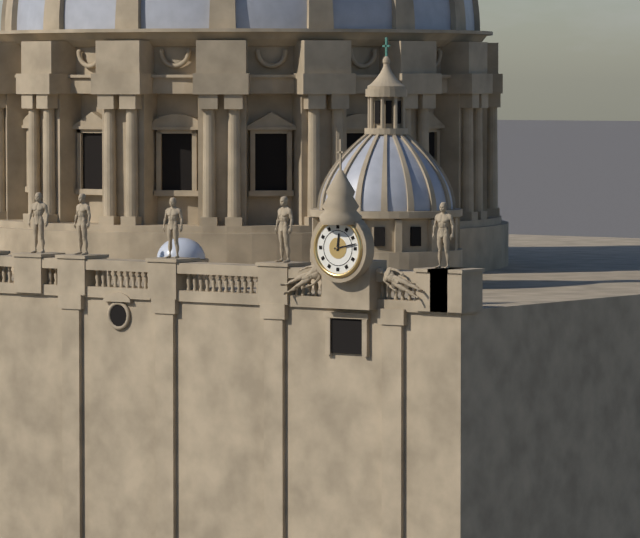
12:13
